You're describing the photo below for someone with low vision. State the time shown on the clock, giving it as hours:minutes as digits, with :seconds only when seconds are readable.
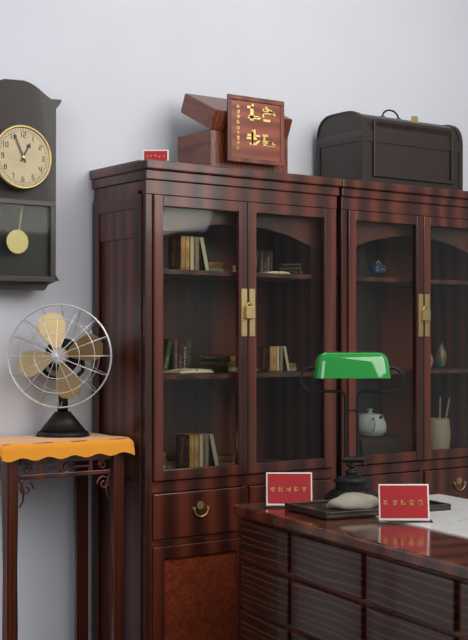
12:56
